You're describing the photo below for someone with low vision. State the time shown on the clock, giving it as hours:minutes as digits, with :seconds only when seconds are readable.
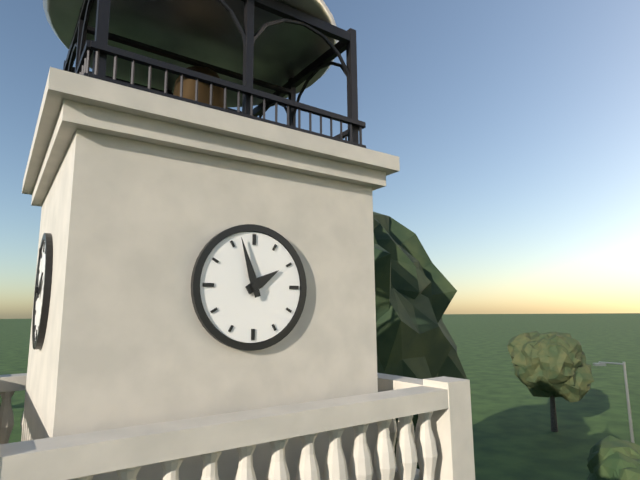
1:57
